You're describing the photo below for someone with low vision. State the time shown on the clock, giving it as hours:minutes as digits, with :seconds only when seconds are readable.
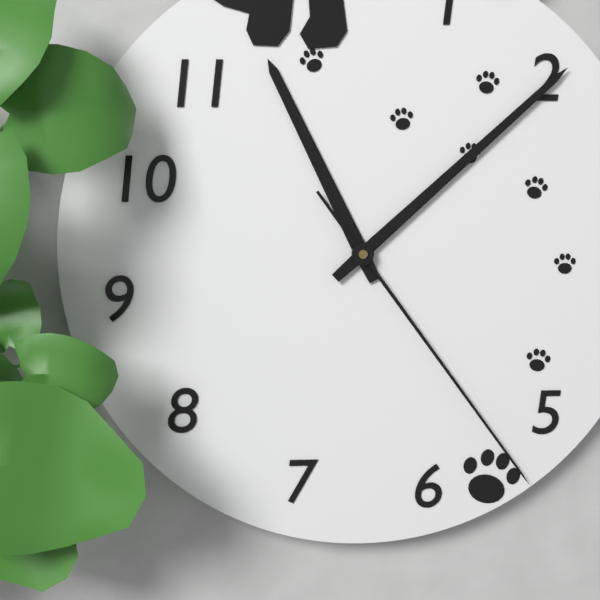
11:08:24
